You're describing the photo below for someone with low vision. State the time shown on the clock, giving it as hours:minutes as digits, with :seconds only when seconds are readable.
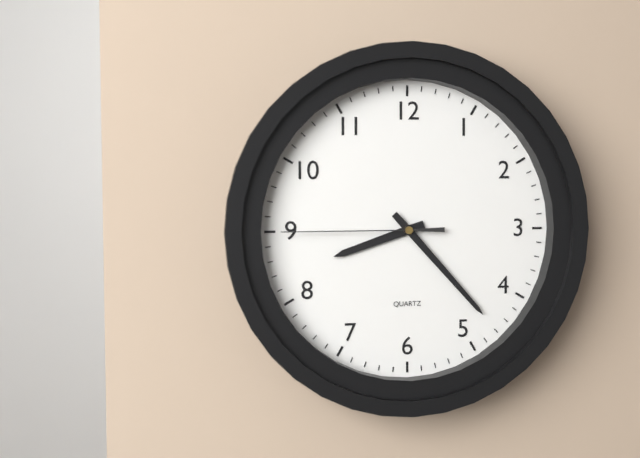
8:23:45
